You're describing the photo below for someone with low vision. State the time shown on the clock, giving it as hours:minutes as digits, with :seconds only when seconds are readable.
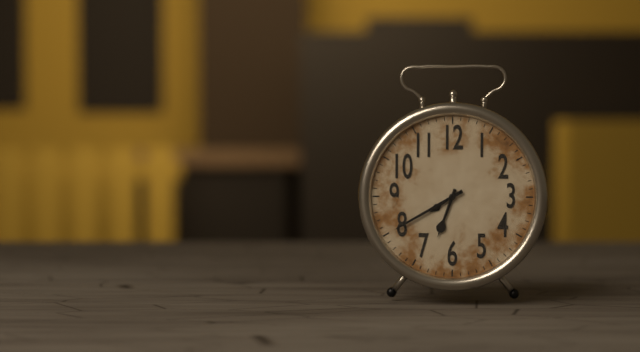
6:40
